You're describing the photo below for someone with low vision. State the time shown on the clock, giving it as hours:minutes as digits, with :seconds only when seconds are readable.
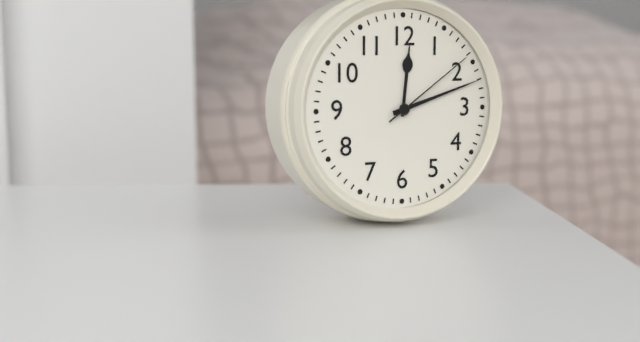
12:12:09
